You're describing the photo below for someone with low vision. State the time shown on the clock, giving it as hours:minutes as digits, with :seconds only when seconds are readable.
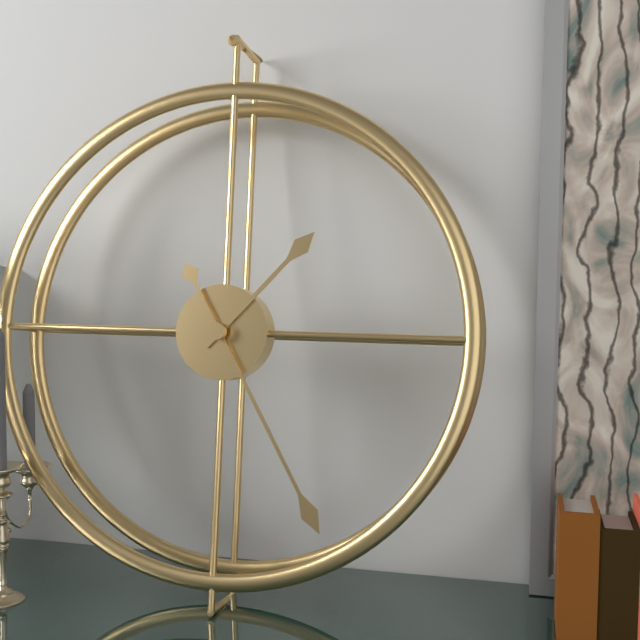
1:25
